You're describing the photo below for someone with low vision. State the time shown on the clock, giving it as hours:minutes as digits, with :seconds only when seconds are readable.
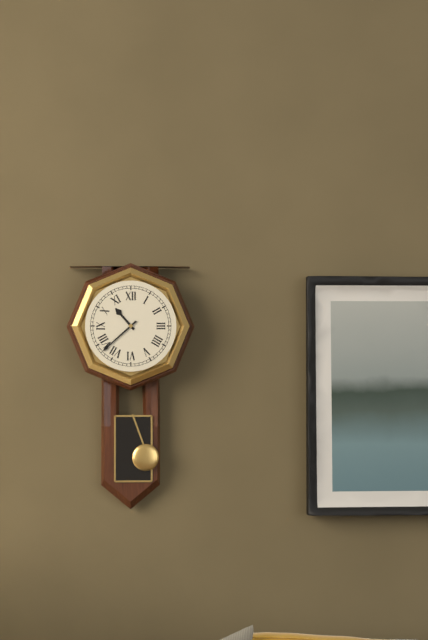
10:38
